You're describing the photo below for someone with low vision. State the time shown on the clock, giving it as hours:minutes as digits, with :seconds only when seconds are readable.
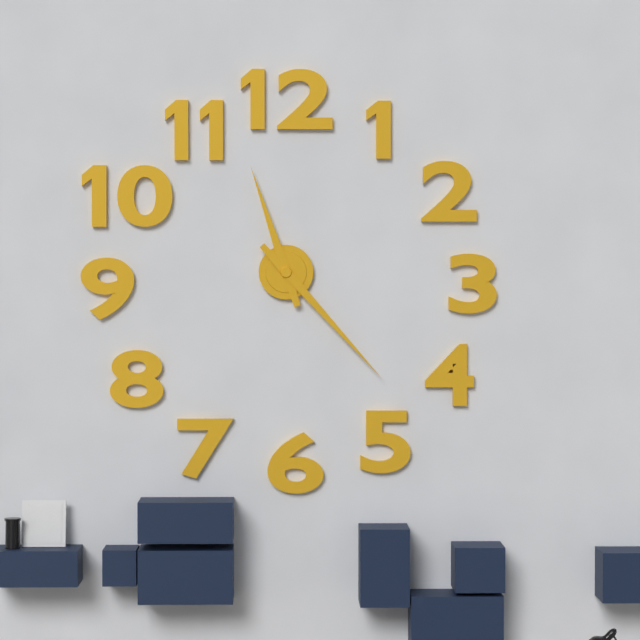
11:23
